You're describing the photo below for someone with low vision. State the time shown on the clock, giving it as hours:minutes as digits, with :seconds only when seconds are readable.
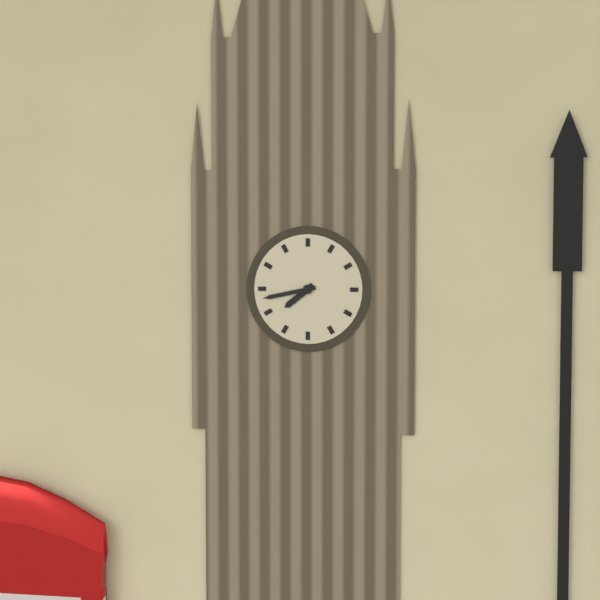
7:43
